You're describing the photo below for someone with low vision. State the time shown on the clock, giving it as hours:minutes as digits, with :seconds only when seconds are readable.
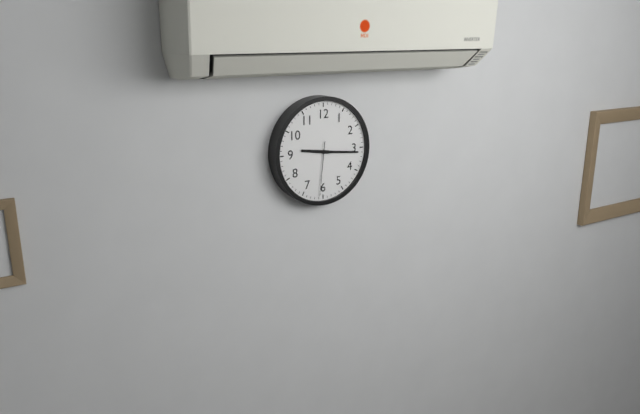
9:16:31
